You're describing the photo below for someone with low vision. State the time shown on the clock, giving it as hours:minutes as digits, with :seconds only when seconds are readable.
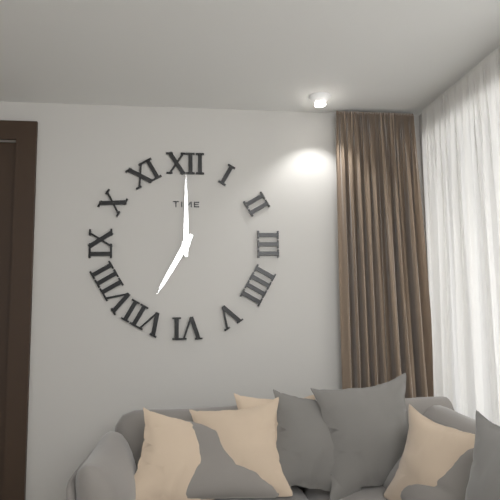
7:00
